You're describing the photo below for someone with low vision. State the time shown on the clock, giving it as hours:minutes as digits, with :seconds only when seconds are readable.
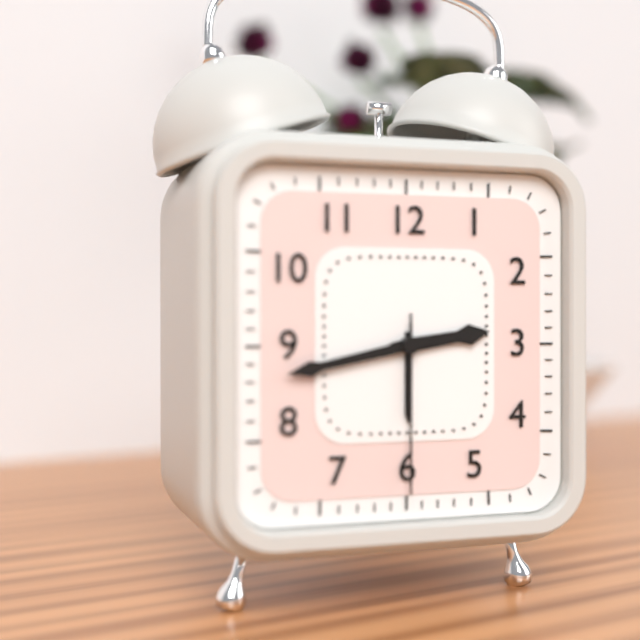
2:43:30
